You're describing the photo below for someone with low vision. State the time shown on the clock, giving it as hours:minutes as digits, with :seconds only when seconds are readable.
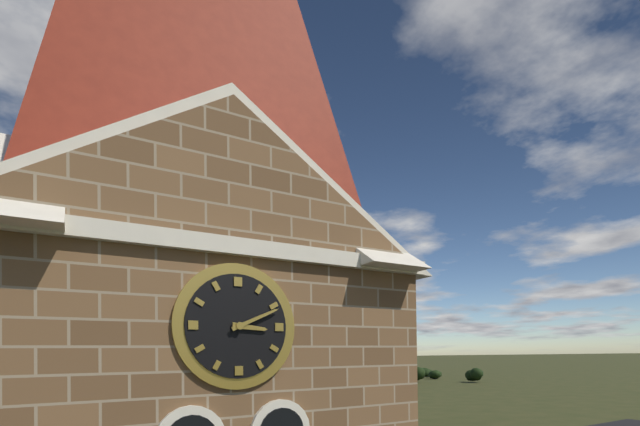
3:11
